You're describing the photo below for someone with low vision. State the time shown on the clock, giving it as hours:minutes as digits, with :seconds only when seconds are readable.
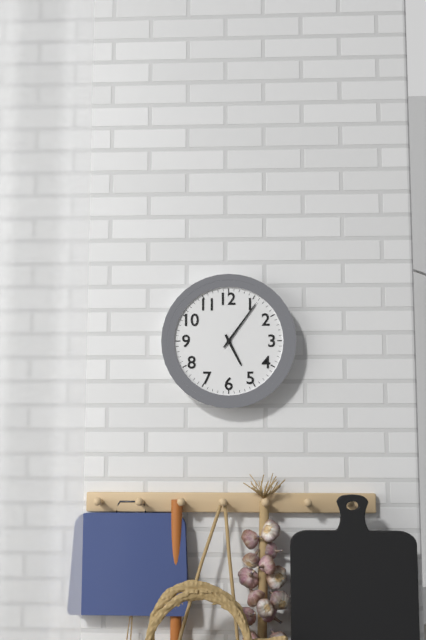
5:06
